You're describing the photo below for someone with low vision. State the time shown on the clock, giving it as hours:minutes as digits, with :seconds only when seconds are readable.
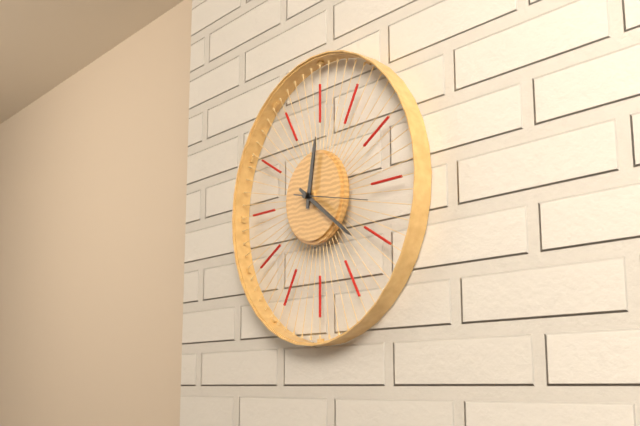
12:21:17
